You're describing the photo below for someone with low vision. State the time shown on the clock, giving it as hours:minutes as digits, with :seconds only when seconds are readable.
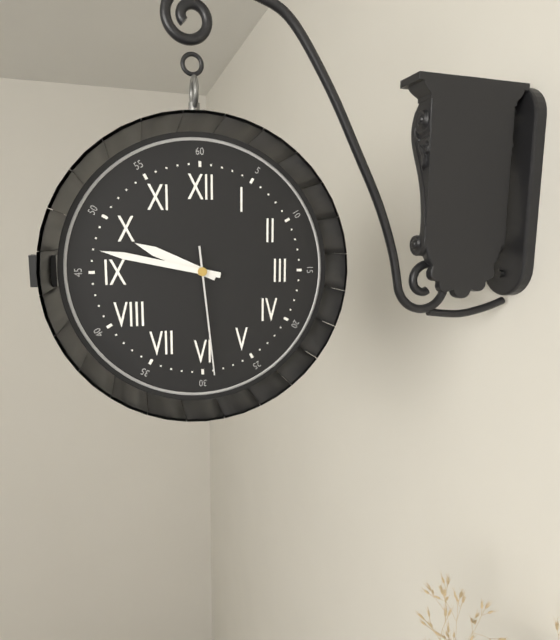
9:47:29
